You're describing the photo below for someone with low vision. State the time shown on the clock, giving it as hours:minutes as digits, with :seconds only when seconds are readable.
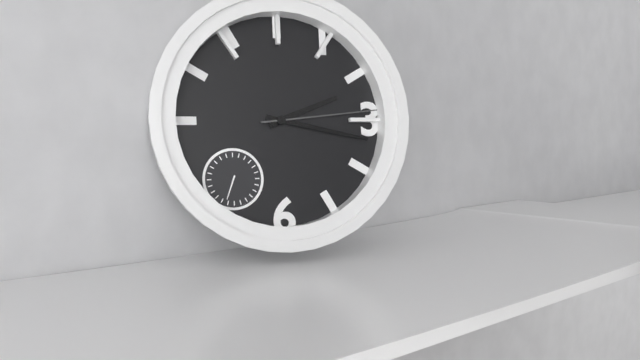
2:17:14
